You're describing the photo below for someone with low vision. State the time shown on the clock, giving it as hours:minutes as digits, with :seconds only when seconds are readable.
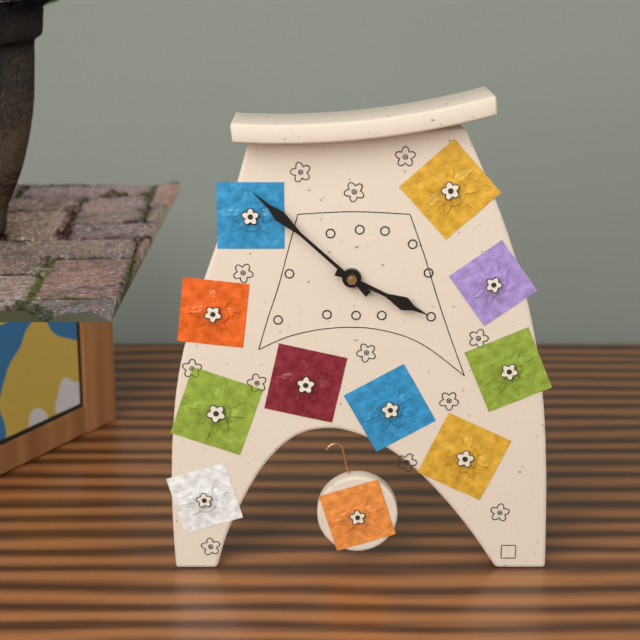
3:52
